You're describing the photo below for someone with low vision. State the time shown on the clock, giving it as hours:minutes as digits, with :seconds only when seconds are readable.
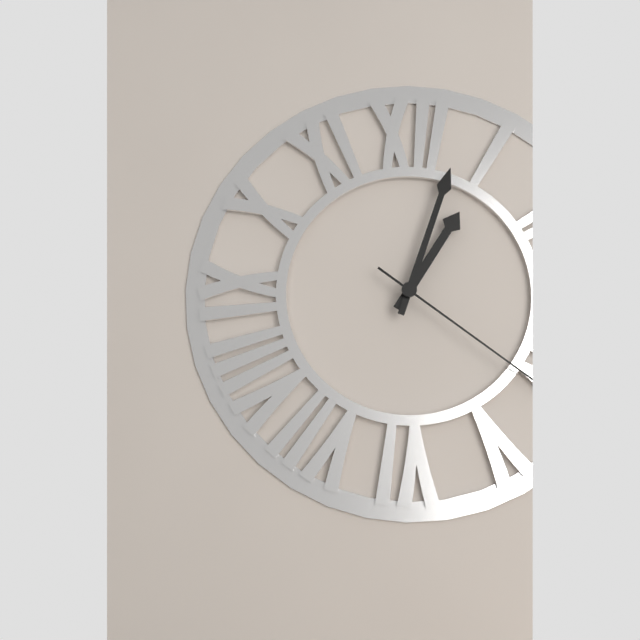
1:03:21
